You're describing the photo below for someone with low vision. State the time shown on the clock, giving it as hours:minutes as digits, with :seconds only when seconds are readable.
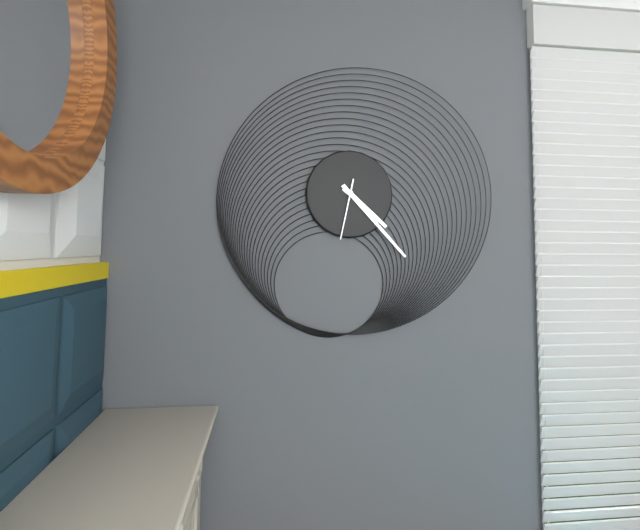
4:23:32
